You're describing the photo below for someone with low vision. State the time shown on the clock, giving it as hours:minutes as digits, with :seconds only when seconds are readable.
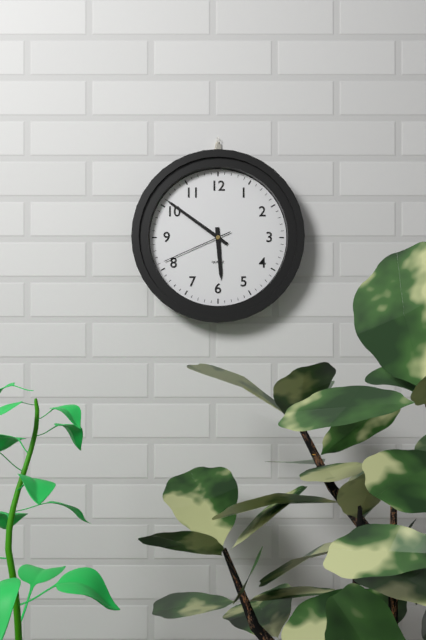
5:51:41
